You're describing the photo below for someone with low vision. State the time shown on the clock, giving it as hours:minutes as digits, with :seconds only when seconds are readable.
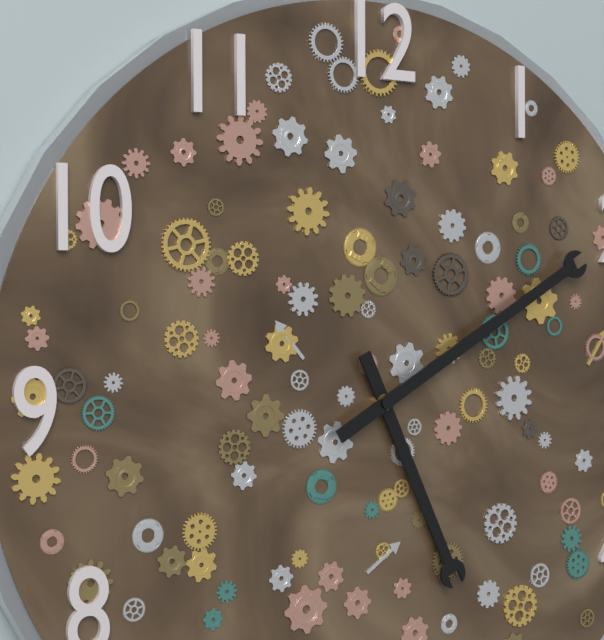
5:10
